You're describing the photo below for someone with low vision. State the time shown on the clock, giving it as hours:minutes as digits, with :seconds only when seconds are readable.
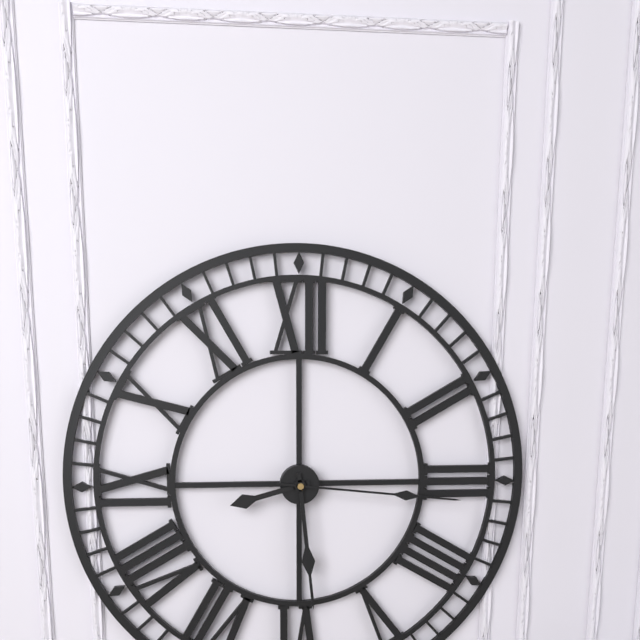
8:29:16
